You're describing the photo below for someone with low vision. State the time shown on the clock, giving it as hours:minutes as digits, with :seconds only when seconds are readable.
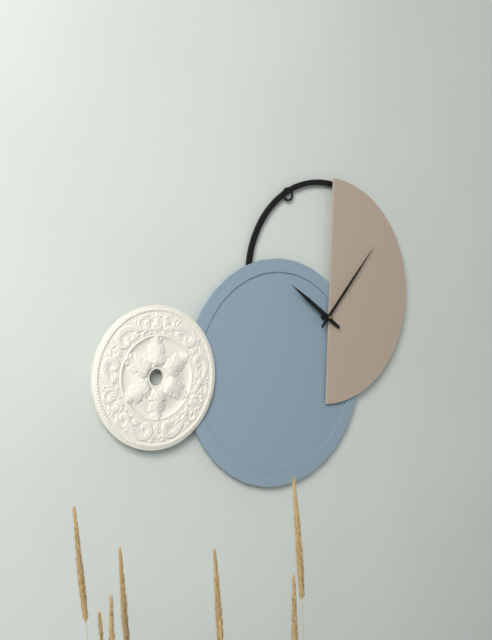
10:07
